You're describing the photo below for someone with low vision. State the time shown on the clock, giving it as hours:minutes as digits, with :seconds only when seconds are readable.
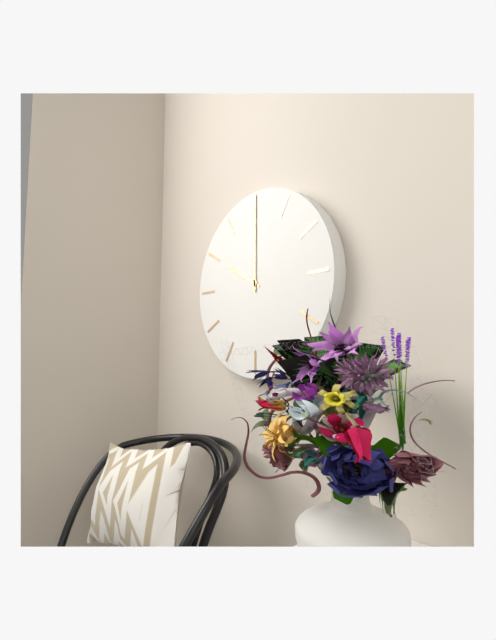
10:00
